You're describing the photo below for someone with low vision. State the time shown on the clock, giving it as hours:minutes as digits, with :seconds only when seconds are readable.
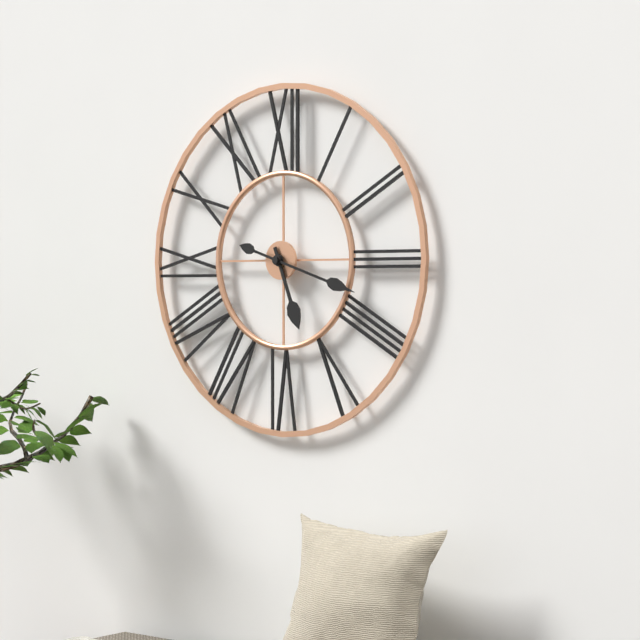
5:18
